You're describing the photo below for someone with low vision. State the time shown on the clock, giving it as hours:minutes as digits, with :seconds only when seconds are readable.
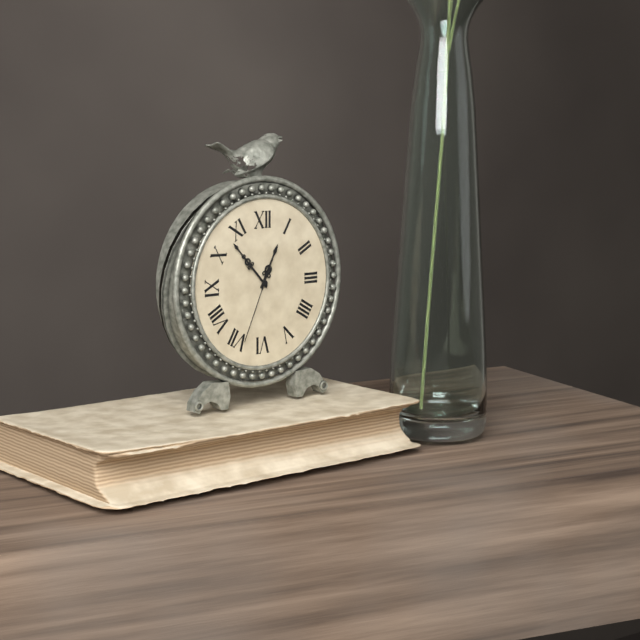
12:53:34
